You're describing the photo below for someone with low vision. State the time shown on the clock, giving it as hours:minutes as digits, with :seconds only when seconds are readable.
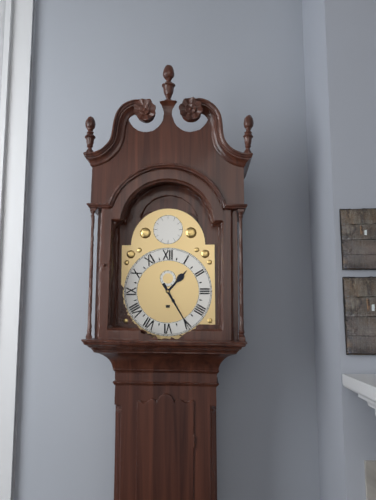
1:25
